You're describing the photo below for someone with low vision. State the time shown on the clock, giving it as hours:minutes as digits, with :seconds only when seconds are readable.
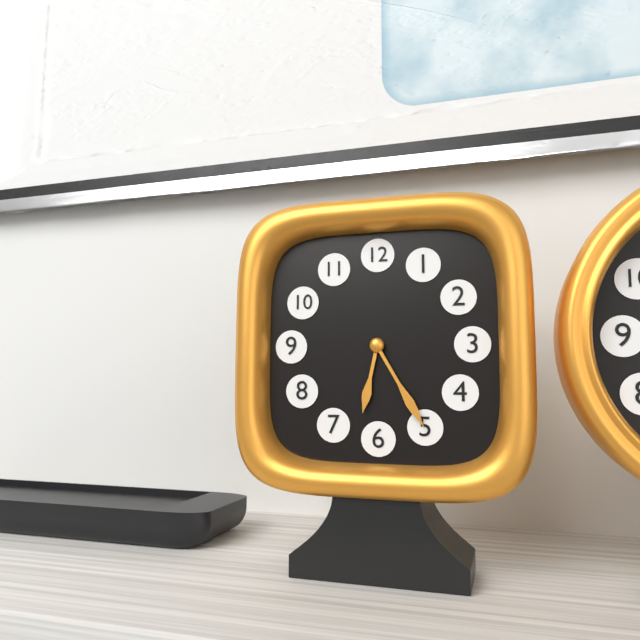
6:25
